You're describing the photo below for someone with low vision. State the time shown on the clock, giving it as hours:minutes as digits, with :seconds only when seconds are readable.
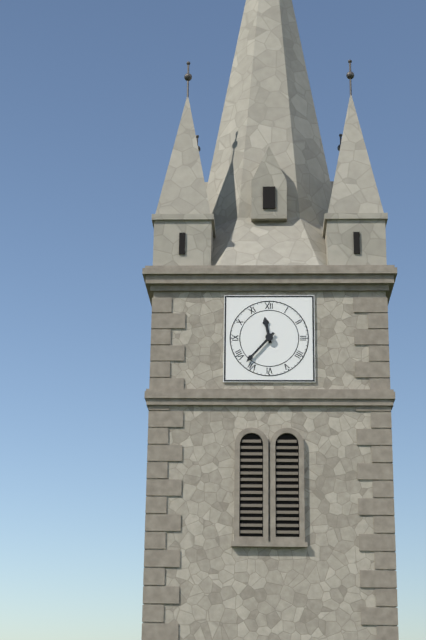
11:37
